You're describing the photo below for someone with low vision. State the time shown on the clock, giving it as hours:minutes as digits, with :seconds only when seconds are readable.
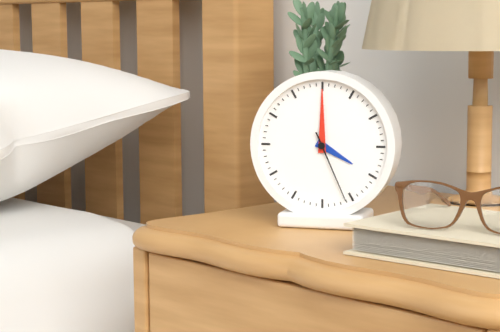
4:00:26
